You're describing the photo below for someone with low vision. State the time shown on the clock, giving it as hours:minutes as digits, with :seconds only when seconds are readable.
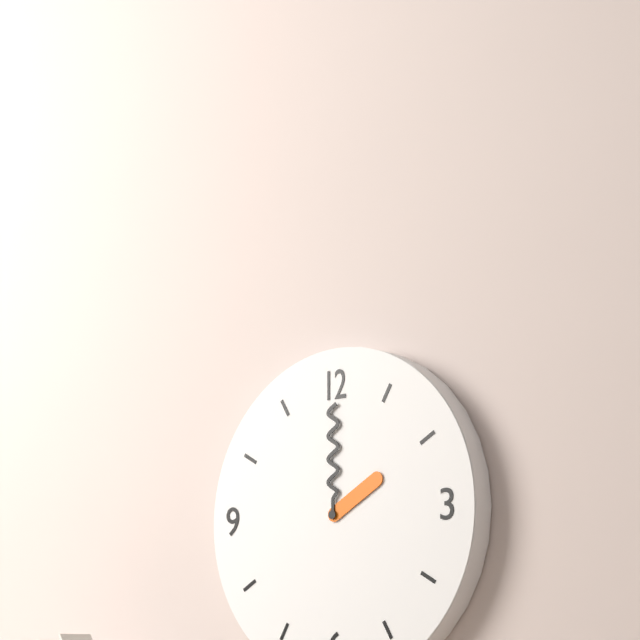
2:00
